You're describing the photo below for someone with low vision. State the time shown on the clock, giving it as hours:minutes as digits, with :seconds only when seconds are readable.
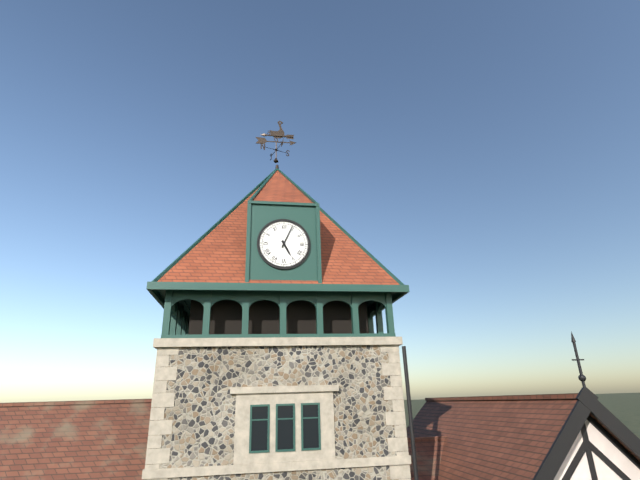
5:04
